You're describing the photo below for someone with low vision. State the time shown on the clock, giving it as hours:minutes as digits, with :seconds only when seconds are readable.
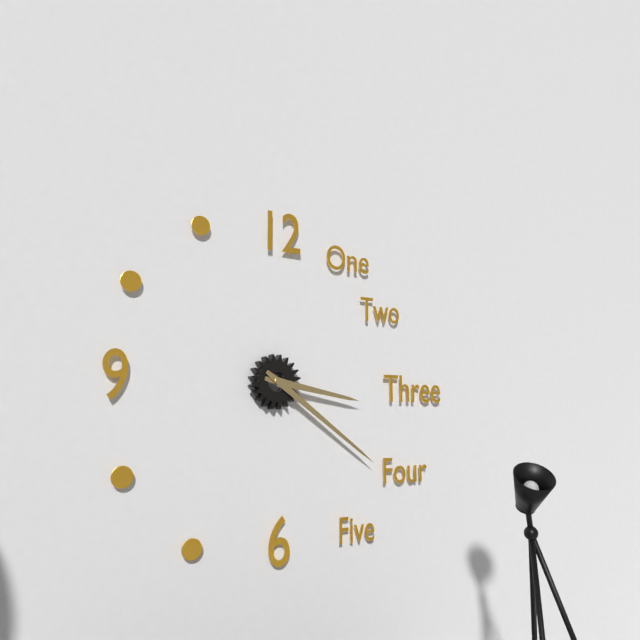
3:21
